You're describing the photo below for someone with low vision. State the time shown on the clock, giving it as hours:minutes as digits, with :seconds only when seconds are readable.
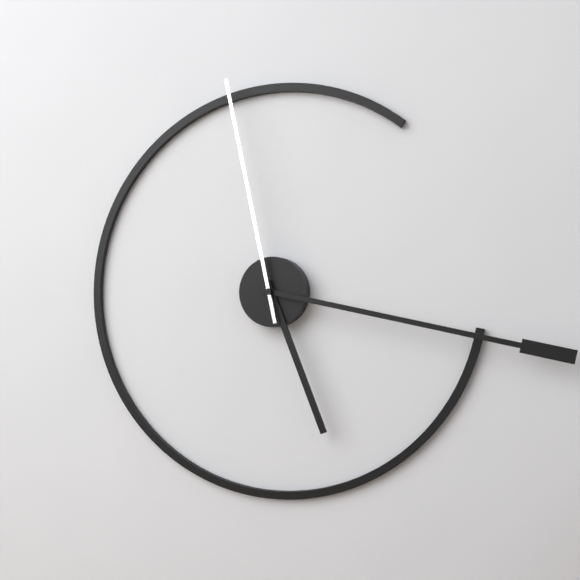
5:17:58
